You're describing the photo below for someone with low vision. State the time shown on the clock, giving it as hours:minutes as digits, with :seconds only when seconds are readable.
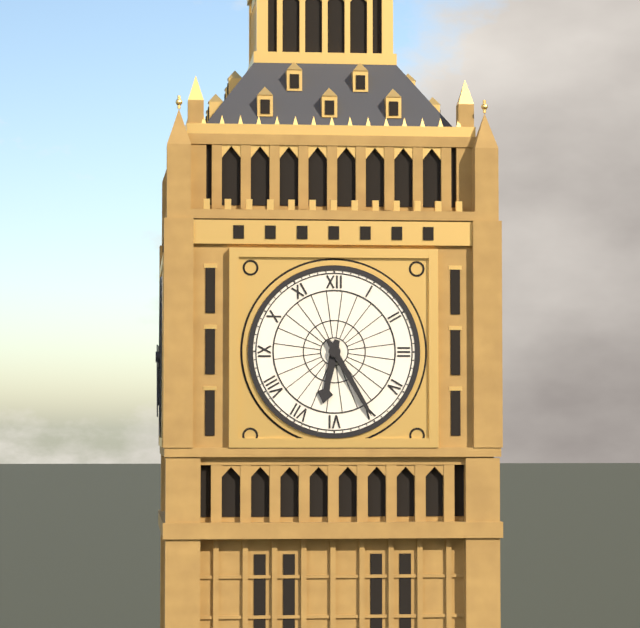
6:25
